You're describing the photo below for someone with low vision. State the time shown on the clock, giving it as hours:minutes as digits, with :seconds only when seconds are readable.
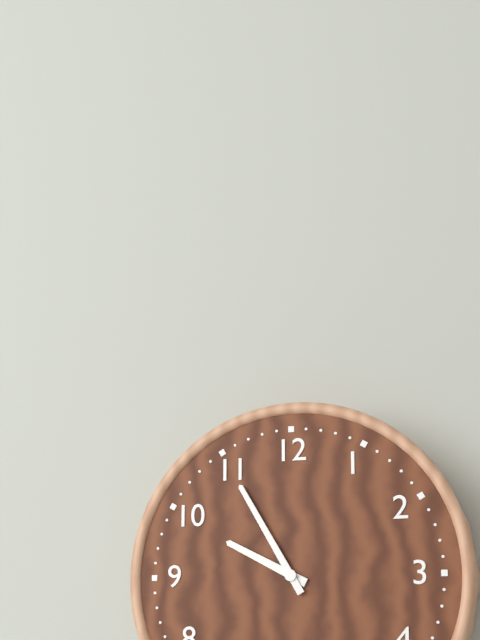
9:55
